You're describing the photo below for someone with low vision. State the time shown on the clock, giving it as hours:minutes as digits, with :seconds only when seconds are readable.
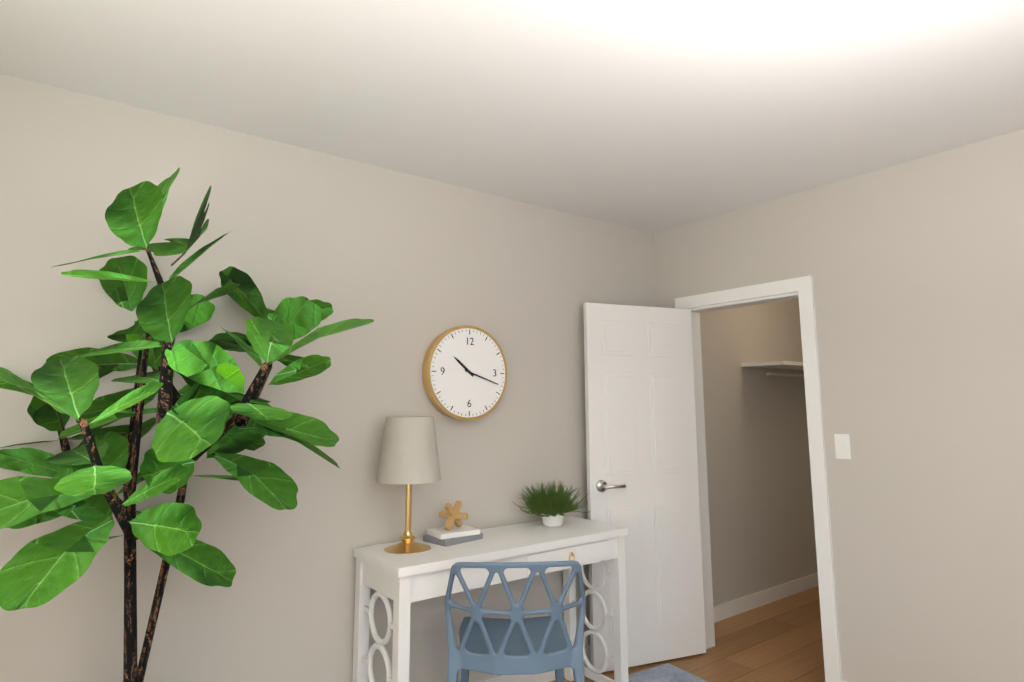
10:18
